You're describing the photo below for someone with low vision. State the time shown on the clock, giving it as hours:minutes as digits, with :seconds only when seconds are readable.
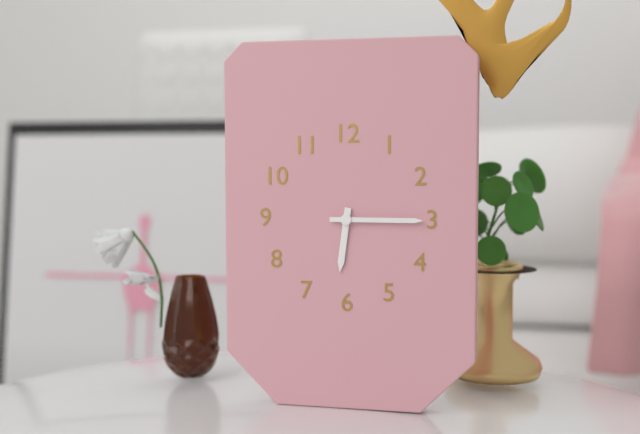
6:15
